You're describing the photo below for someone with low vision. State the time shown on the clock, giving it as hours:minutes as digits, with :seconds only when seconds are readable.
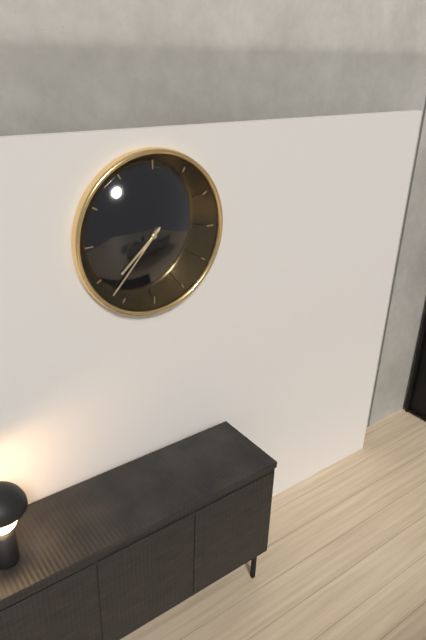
7:37
